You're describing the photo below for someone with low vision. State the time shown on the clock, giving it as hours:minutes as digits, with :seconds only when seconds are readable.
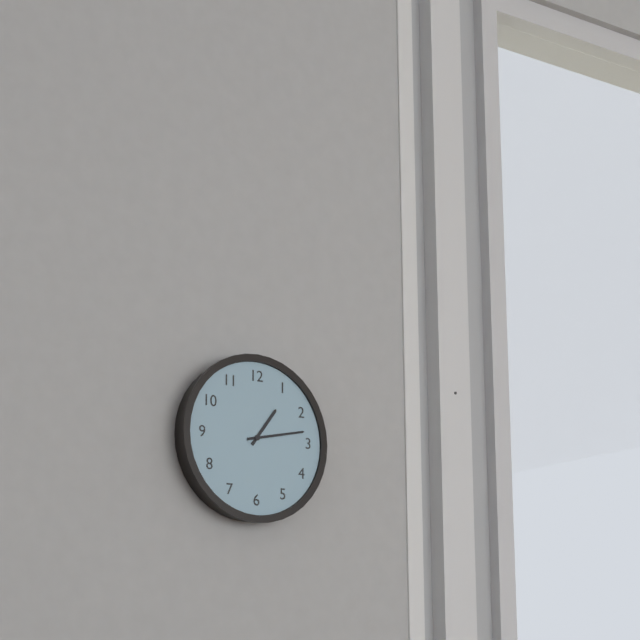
1:13
